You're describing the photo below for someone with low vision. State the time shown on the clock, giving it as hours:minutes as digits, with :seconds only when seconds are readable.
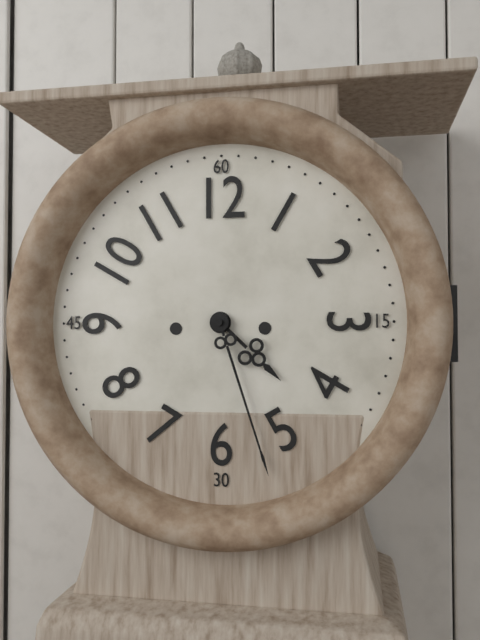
4:27
